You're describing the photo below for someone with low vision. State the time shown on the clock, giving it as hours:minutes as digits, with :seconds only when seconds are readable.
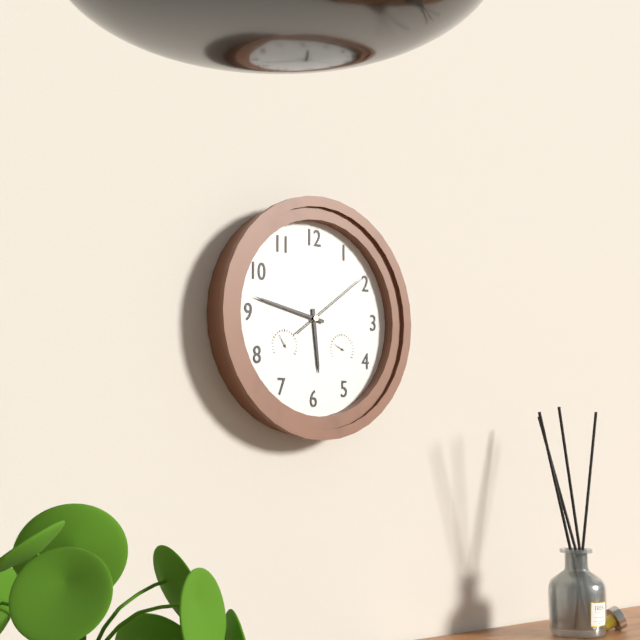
5:47:09
